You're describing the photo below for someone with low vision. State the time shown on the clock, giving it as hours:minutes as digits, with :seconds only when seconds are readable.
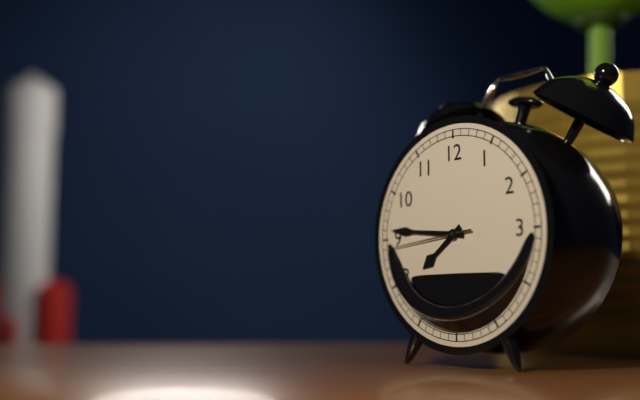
7:46:44
